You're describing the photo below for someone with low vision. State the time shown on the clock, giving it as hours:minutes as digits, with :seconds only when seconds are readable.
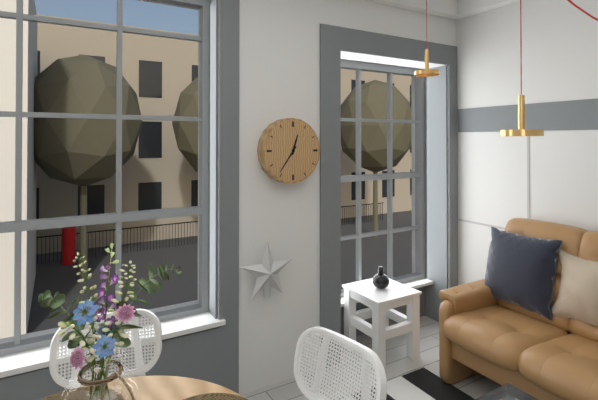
12:36
